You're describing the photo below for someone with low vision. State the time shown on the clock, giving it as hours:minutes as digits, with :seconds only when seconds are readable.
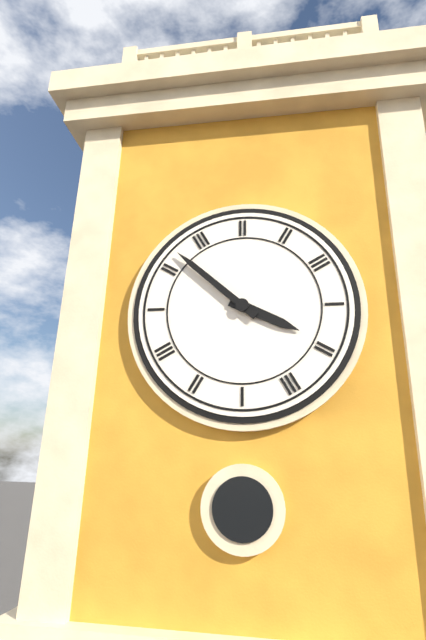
3:52
